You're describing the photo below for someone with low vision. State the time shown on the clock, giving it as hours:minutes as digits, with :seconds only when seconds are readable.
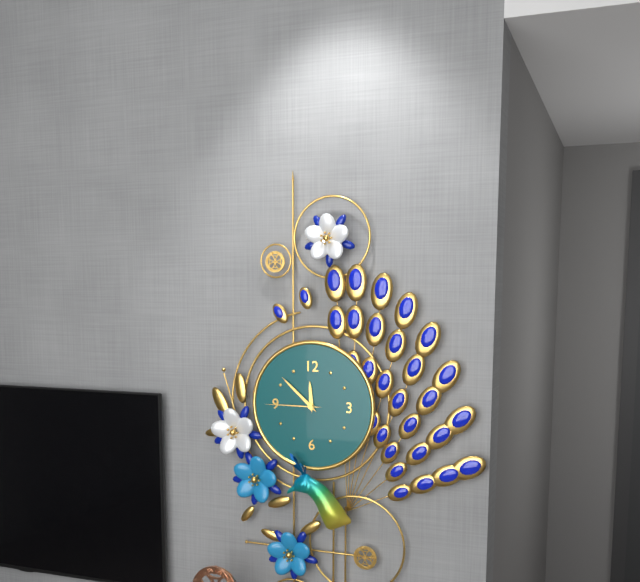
11:52:45
